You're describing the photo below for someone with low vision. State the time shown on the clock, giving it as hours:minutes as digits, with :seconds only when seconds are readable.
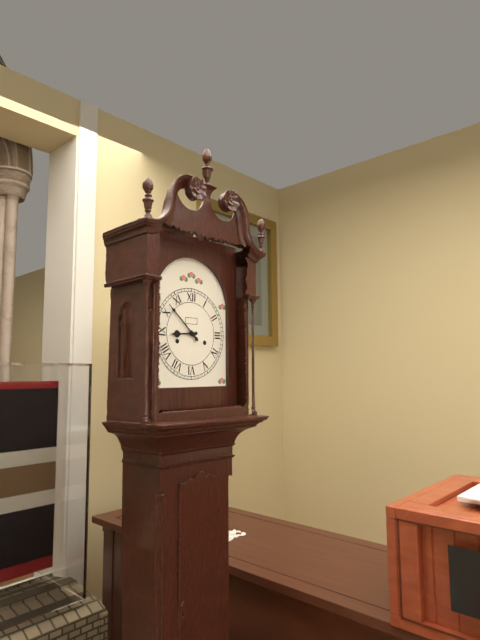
8:52
